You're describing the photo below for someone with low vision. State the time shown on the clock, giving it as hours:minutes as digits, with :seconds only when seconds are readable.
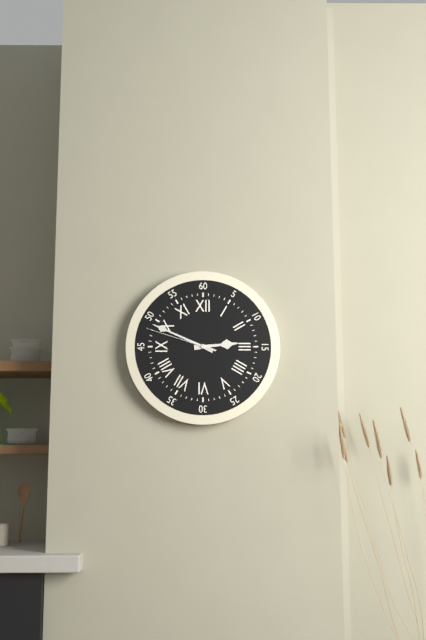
2:49:48
